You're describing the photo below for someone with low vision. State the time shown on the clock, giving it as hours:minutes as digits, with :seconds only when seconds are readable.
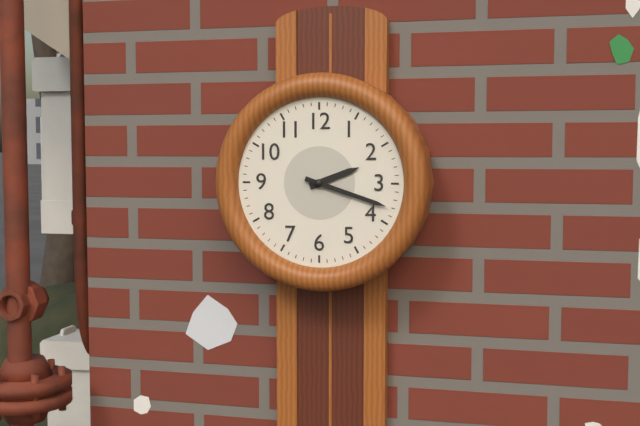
2:18
